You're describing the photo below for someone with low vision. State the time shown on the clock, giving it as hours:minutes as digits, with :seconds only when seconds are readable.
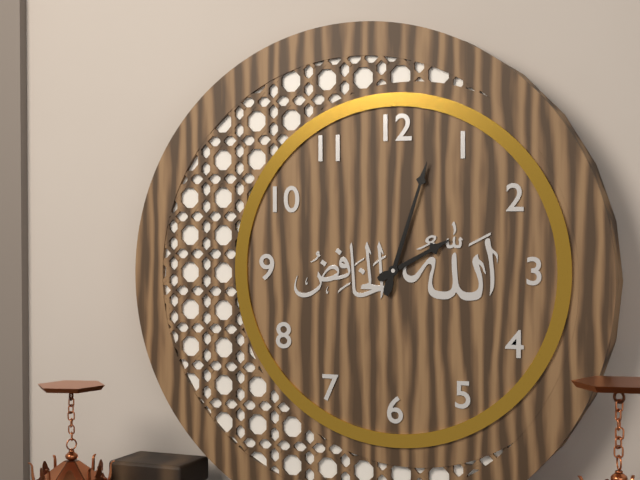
2:03
